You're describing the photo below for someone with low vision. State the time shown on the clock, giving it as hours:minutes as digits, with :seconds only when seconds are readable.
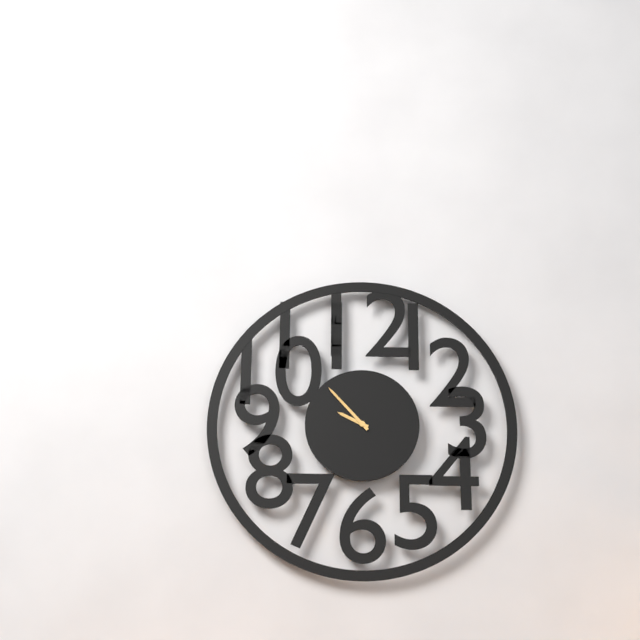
9:53
